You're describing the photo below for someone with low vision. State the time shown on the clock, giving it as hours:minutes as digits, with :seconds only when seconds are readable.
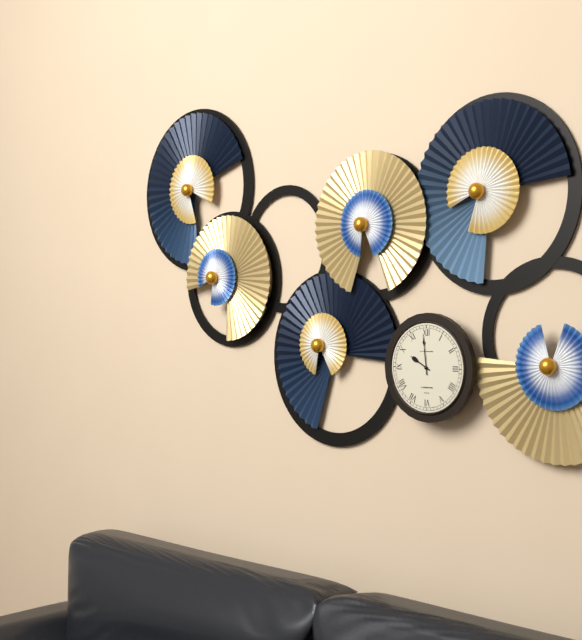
9:59
